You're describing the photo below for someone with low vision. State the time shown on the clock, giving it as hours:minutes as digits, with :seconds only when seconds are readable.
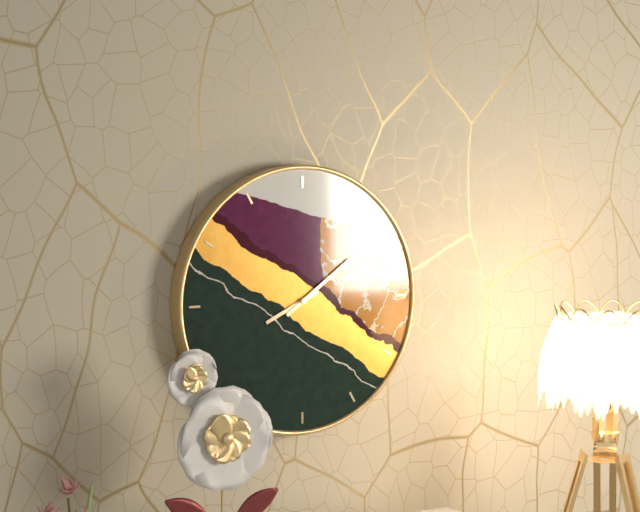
8:09
